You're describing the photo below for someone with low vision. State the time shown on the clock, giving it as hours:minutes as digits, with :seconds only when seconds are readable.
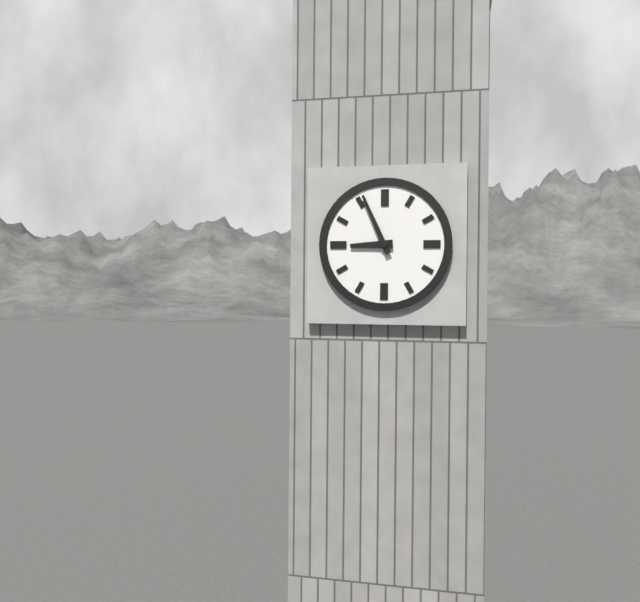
8:56
